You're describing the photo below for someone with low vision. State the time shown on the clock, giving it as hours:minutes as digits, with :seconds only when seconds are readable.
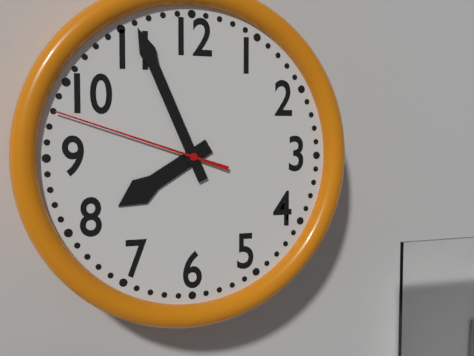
7:56:48
